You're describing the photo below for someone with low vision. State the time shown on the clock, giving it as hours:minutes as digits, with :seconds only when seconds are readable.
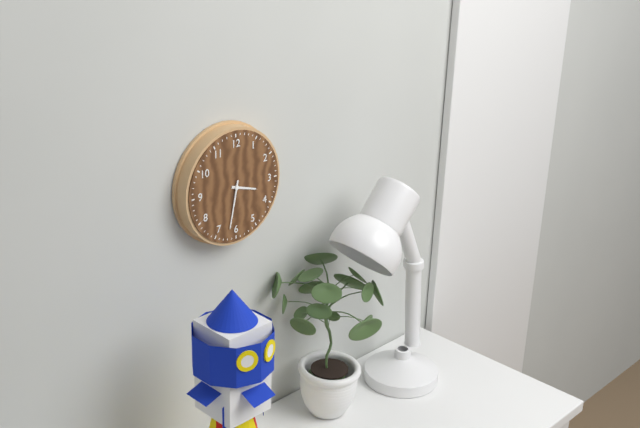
3:32
